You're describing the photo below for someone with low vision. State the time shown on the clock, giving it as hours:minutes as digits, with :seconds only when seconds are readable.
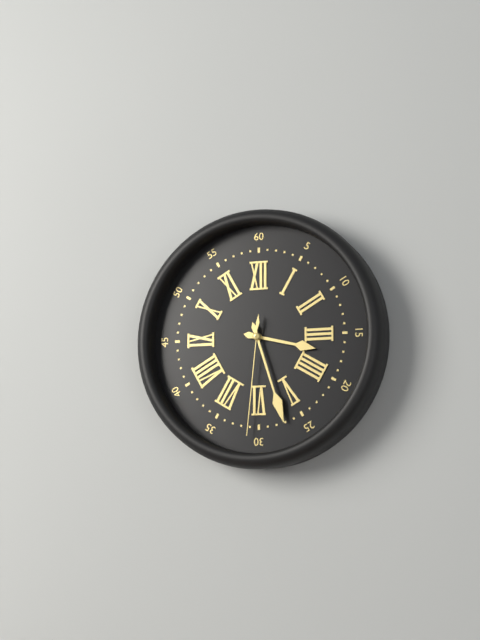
3:27:31
